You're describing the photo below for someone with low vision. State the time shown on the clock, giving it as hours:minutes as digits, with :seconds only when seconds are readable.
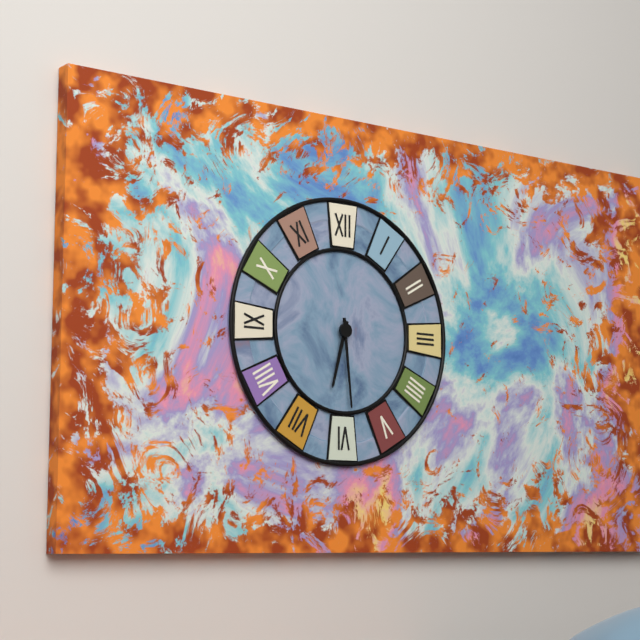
6:29
